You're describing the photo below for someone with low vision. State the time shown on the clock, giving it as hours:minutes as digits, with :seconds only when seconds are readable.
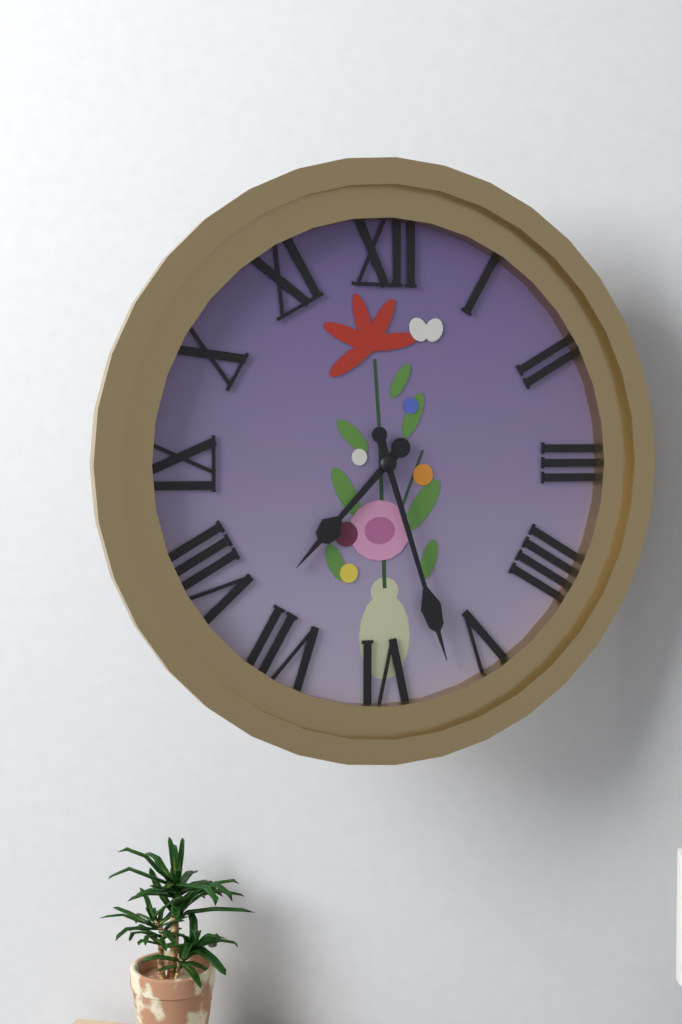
7:27
